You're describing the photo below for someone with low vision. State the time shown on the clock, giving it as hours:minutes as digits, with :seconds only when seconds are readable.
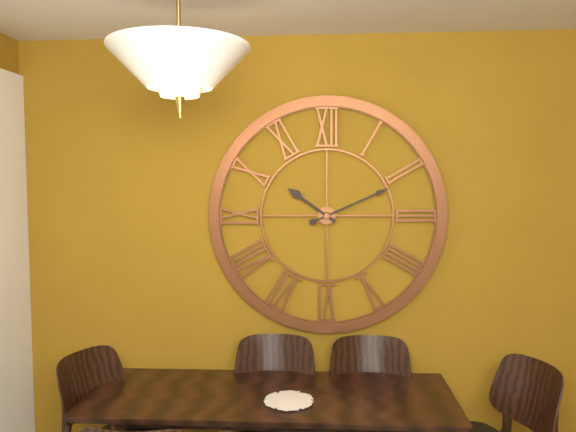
10:11
